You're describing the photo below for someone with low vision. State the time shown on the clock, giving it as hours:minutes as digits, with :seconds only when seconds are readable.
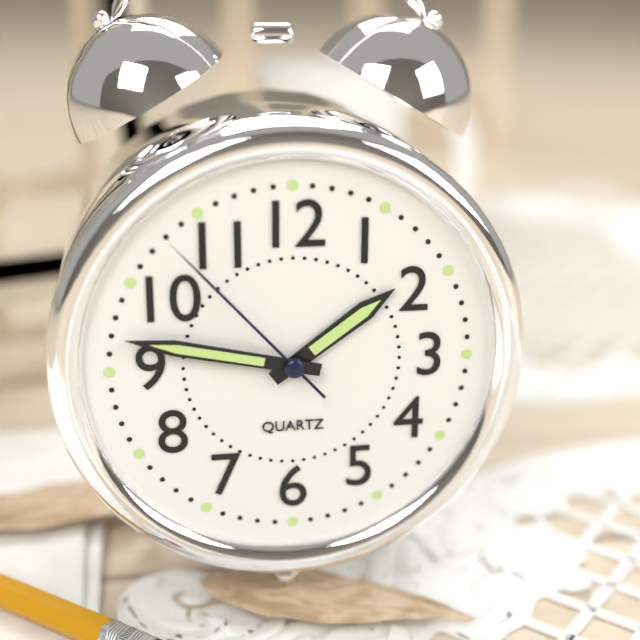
1:47:53
